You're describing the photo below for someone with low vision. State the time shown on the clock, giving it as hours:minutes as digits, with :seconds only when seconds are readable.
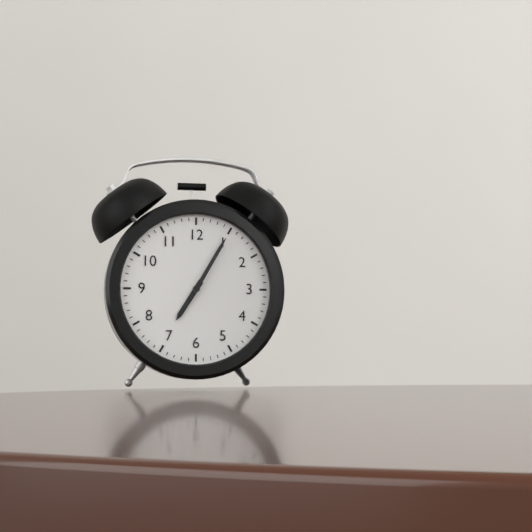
7:05
